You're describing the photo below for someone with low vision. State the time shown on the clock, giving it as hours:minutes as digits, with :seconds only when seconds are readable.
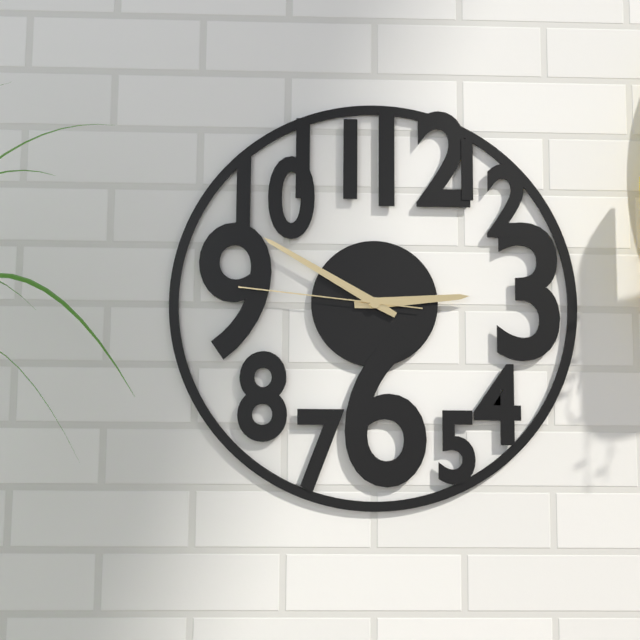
2:50:46
